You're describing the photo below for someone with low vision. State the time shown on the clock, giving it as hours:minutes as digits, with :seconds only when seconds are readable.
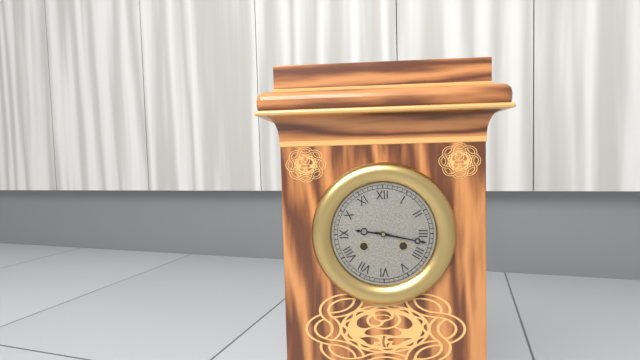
9:17
